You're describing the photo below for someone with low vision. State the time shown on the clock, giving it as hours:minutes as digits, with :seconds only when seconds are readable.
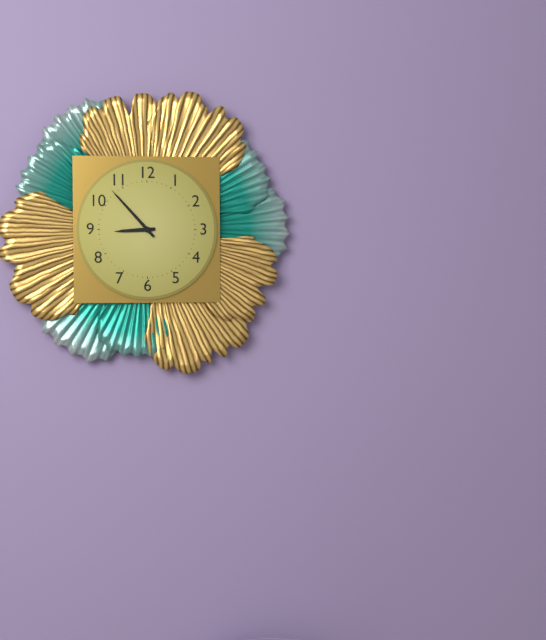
8:53
